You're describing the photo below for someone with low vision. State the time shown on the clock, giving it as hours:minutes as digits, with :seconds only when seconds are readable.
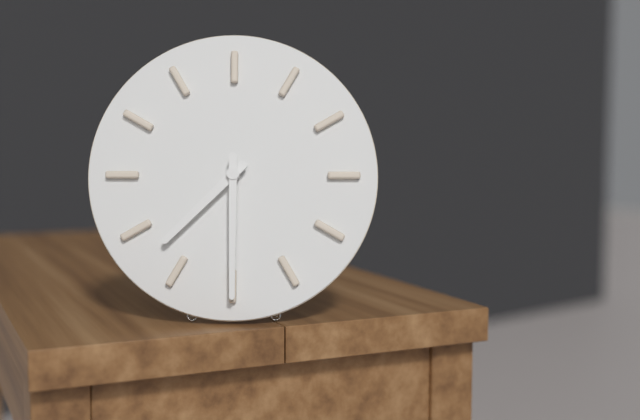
7:30
